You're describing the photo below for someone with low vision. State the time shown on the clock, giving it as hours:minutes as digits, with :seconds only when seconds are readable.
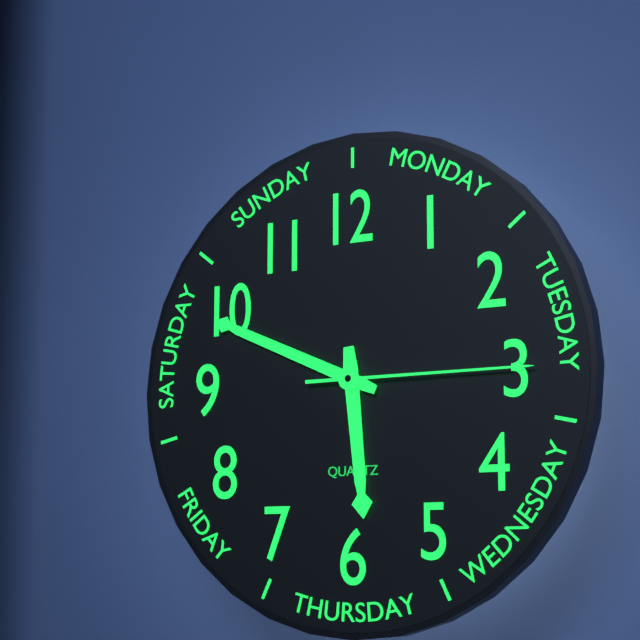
5:49:15
